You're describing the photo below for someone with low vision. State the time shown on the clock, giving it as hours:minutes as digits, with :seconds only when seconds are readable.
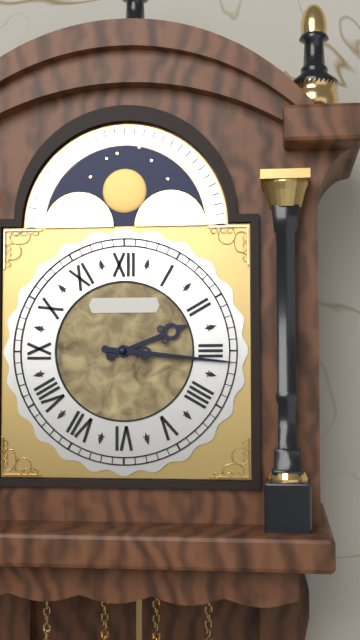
2:16
